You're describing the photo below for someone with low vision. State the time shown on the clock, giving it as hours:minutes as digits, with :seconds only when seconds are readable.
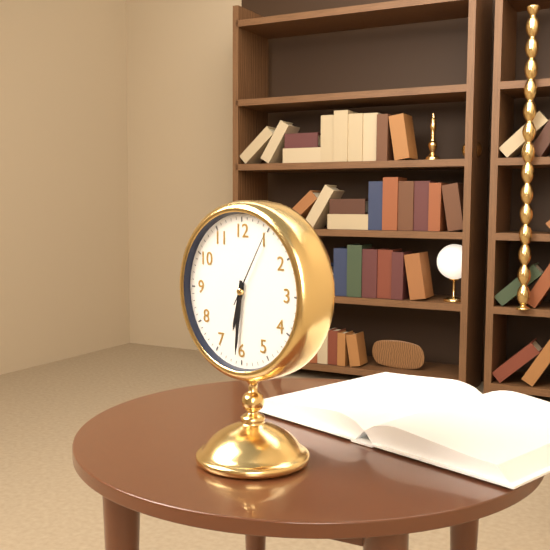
6:31:05
